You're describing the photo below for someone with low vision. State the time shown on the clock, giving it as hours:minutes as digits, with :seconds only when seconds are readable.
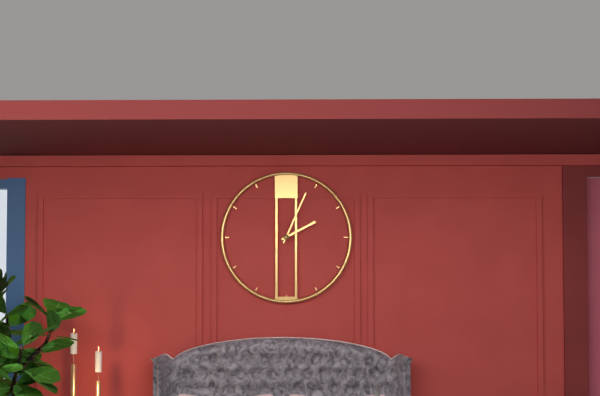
2:04
